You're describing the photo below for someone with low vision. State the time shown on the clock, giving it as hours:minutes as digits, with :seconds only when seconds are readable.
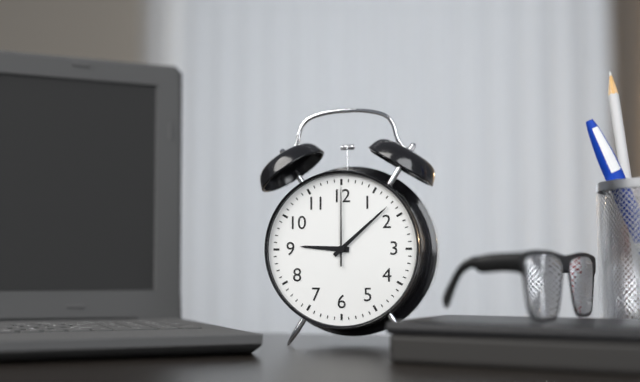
9:08:00
